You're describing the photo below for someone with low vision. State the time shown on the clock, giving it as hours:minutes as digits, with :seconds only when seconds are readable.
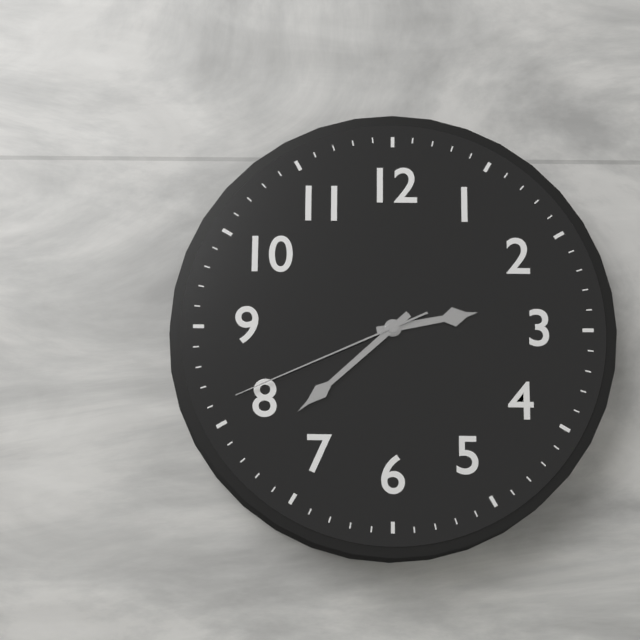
2:38:41
